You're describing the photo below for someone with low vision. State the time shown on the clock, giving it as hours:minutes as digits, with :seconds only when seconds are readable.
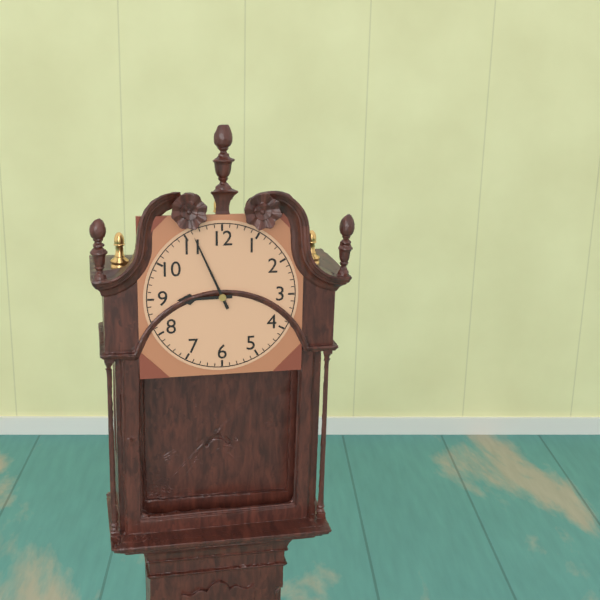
8:56
